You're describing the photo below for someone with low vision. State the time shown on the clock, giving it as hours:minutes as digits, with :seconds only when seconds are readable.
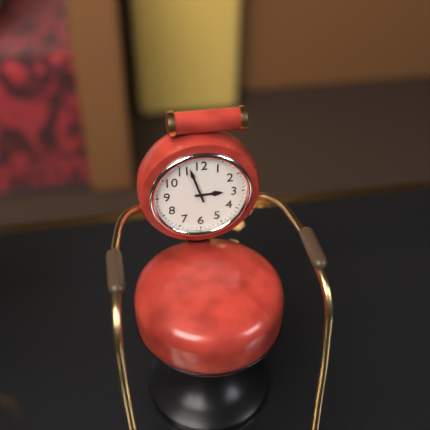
2:57
